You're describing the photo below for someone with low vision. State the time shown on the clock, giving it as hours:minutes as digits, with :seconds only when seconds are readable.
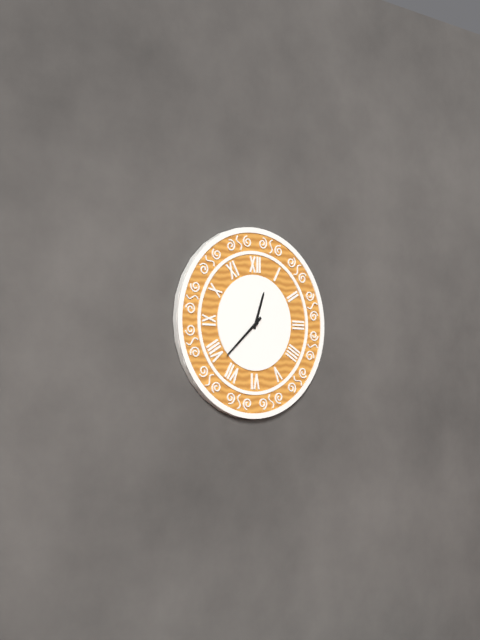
12:38
